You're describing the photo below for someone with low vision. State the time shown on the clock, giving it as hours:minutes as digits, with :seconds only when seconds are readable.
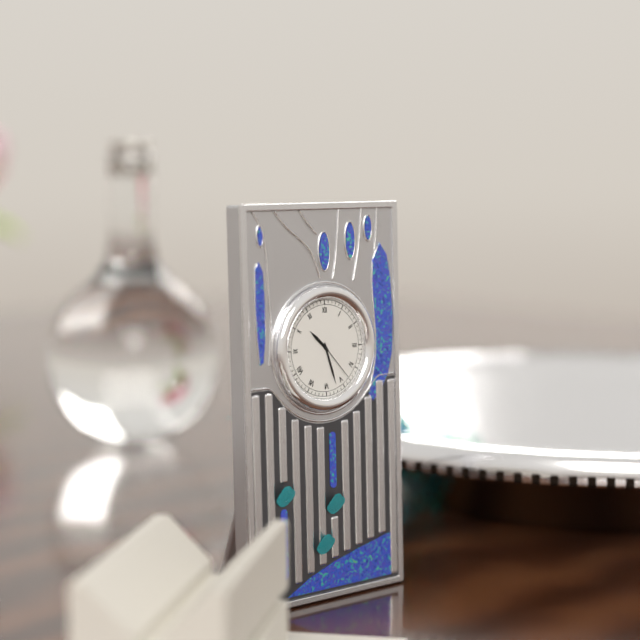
10:27
